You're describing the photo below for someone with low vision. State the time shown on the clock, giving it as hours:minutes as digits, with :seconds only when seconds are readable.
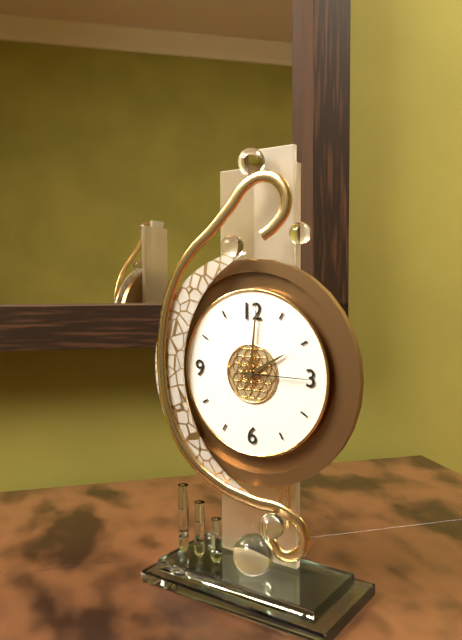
2:01:15
